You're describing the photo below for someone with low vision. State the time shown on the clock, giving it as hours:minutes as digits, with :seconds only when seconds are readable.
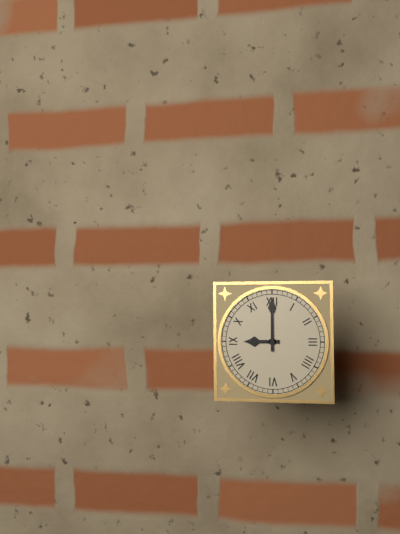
9:00
